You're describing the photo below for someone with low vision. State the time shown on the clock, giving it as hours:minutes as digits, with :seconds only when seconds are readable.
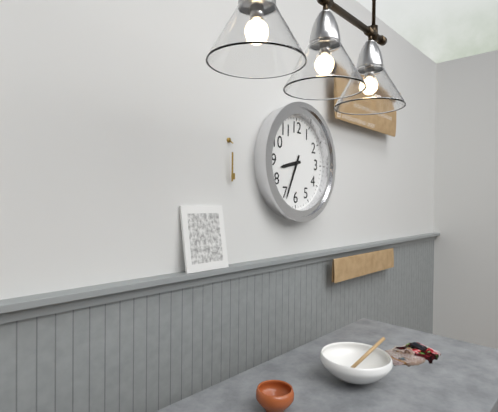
8:34
